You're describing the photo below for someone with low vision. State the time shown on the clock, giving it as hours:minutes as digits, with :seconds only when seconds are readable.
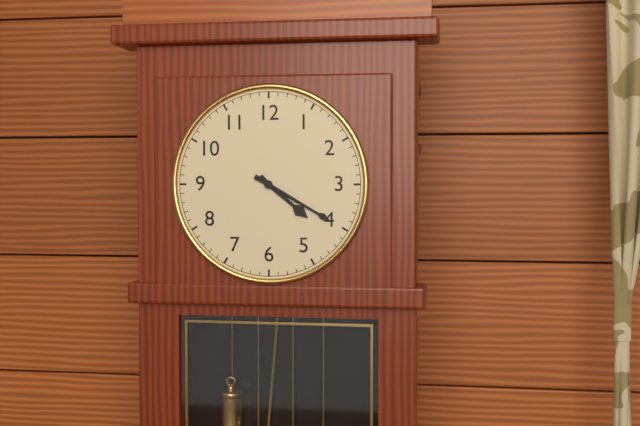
4:20
